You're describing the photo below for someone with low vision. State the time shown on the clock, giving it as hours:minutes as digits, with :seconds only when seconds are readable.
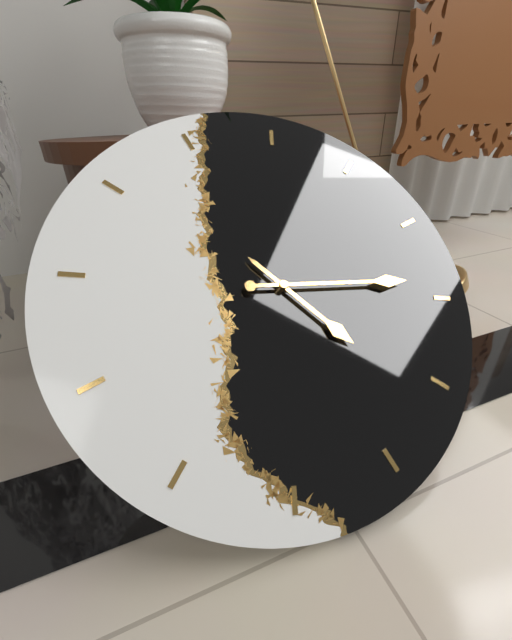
5:19
